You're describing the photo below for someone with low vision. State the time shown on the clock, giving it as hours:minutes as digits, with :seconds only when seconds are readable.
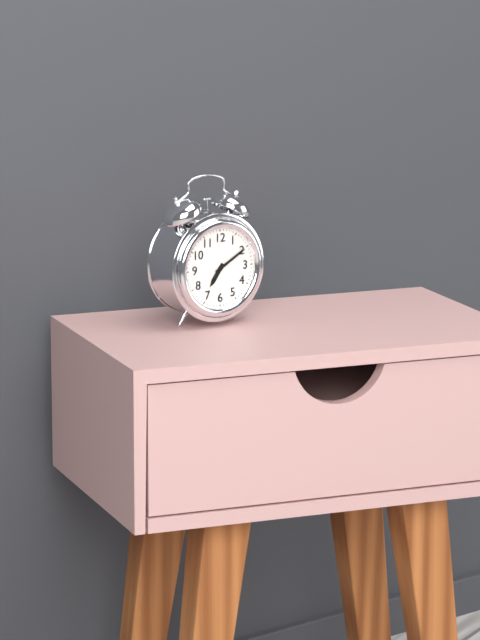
7:10
